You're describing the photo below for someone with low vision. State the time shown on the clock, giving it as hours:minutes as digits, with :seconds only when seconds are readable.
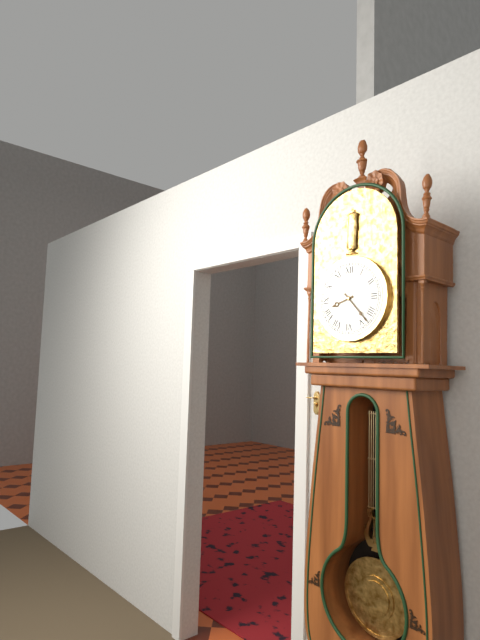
8:23
